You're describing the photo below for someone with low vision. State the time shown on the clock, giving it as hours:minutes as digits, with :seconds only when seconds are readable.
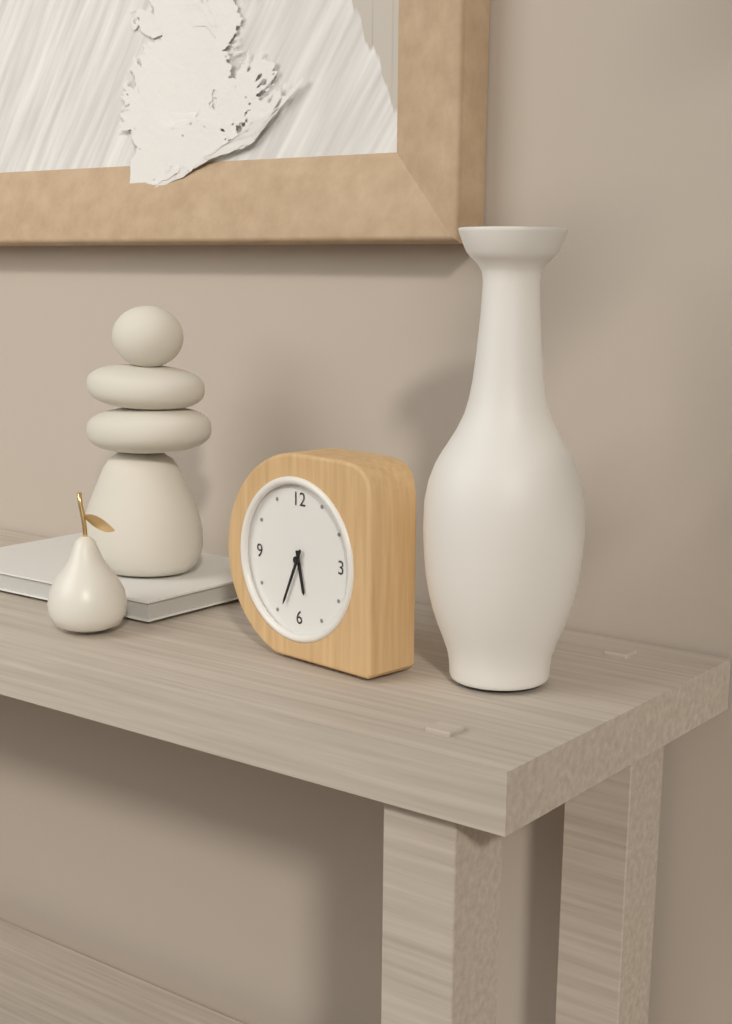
5:34
